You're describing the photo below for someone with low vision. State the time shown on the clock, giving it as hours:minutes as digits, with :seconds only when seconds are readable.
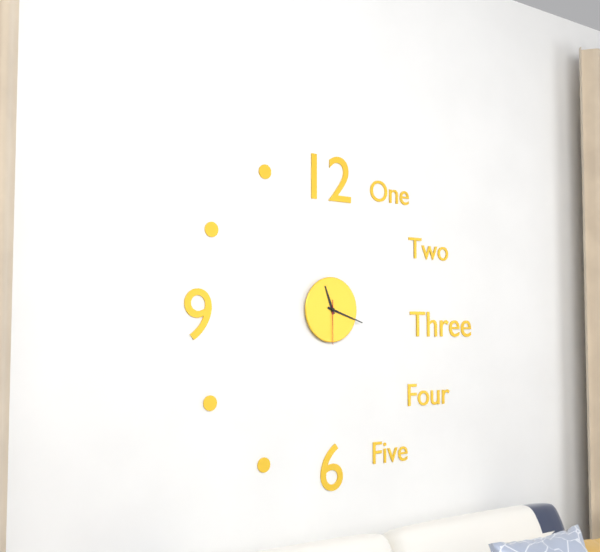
11:18
